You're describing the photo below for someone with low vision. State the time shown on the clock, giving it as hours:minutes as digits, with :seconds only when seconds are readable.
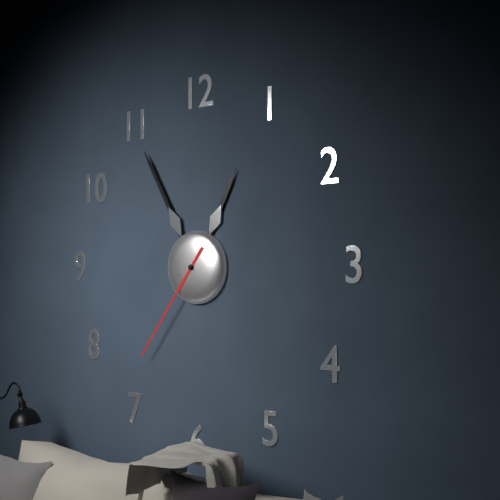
12:55:36
